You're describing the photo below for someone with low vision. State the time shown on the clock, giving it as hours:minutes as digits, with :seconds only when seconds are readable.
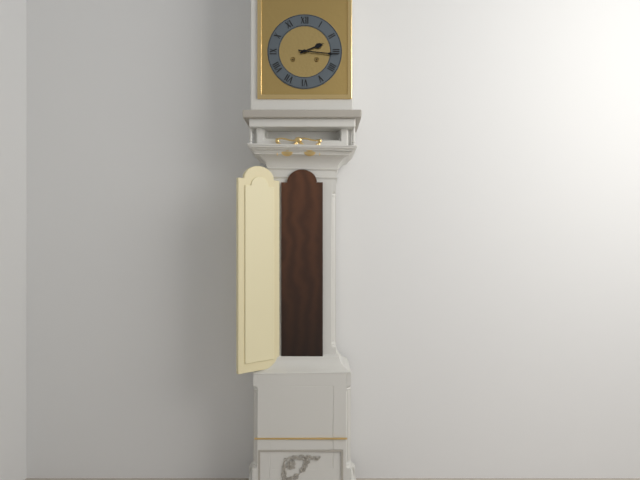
2:16
